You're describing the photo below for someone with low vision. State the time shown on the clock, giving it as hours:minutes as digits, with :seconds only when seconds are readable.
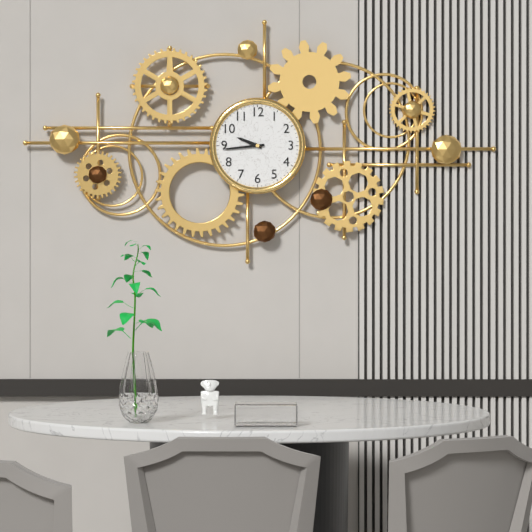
9:44
